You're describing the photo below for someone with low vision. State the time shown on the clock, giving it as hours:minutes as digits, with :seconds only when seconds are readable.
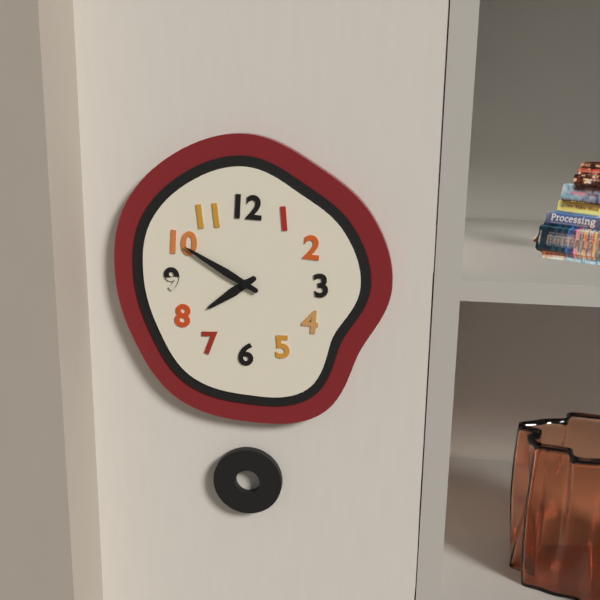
7:50
